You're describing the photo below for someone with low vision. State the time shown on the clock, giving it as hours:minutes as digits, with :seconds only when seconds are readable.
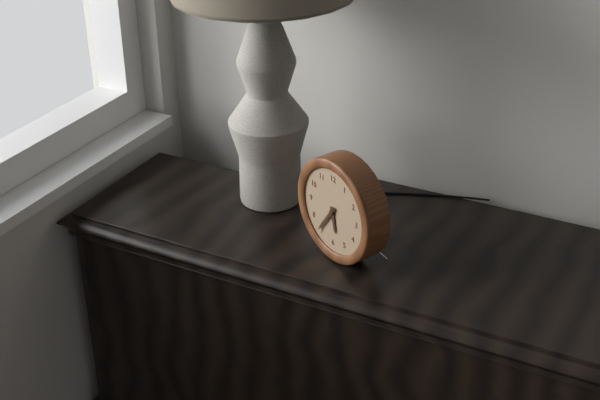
5:36
